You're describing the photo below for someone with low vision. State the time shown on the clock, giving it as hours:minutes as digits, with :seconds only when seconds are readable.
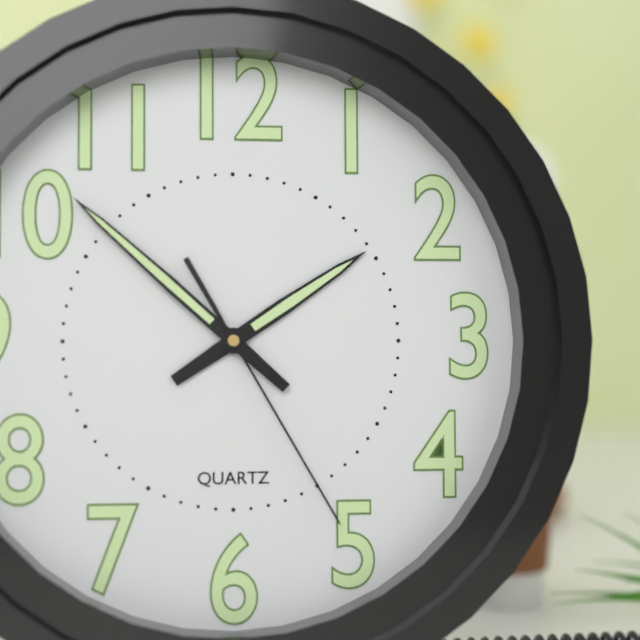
1:52:25
